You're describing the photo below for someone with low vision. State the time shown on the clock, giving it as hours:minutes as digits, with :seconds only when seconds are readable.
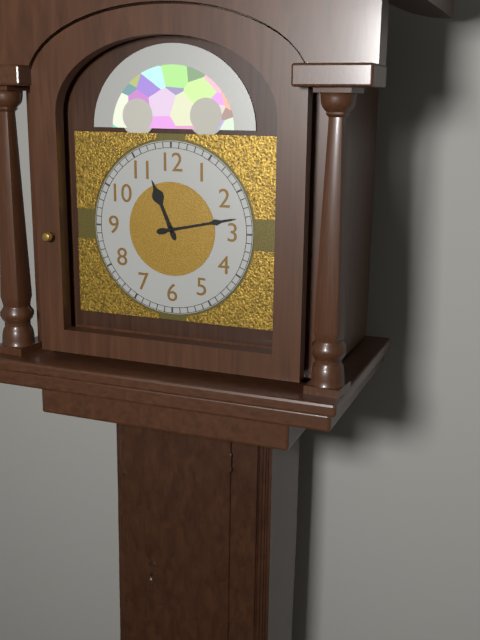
11:13
